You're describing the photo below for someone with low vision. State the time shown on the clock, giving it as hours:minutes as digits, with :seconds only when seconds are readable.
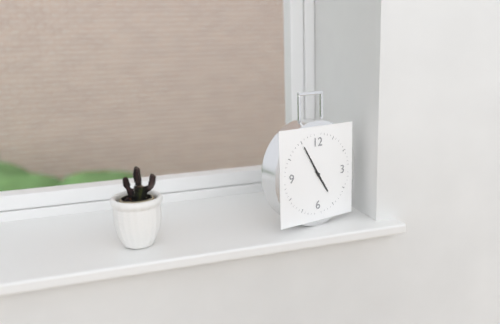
4:55
